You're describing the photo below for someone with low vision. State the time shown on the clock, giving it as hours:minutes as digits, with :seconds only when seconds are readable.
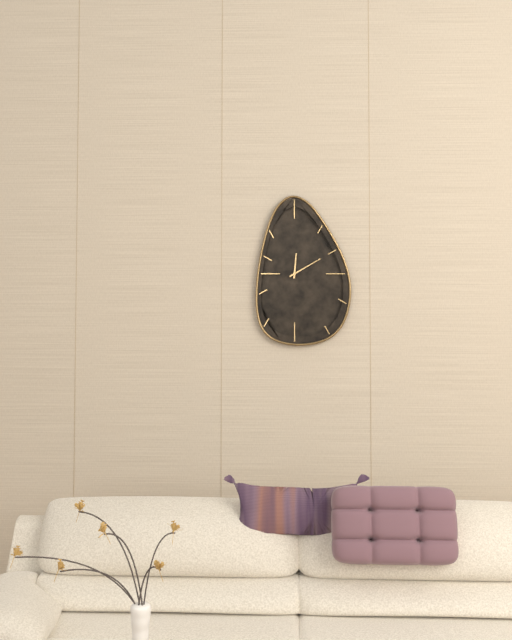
12:10
